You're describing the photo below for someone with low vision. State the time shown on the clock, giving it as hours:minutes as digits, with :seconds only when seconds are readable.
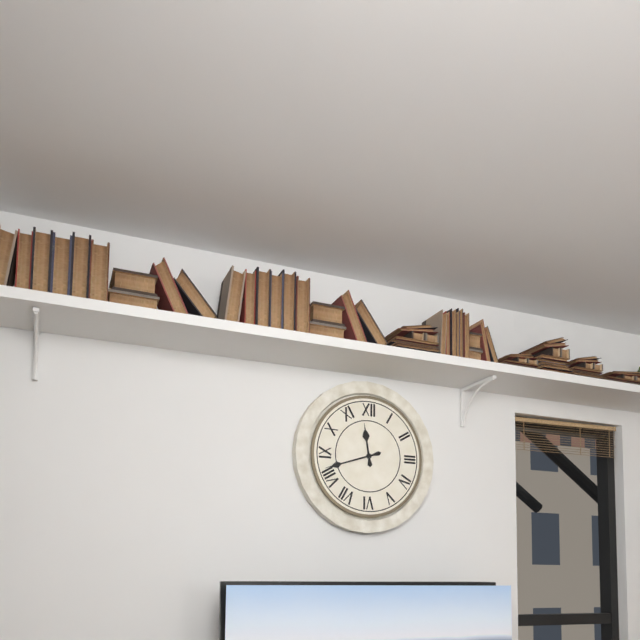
11:42
